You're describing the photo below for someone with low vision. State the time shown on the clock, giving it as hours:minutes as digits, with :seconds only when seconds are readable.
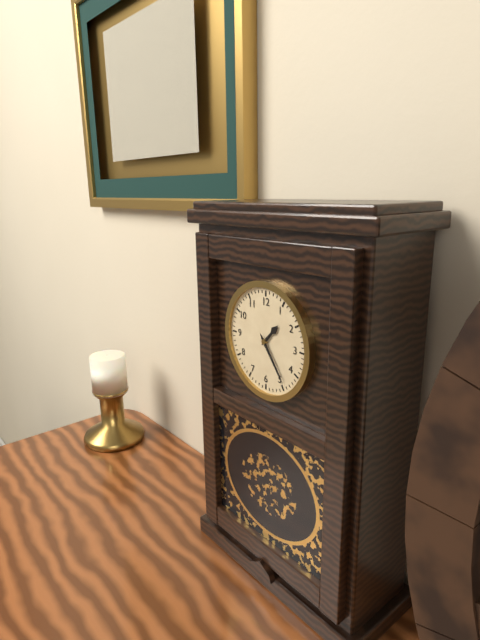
1:24
